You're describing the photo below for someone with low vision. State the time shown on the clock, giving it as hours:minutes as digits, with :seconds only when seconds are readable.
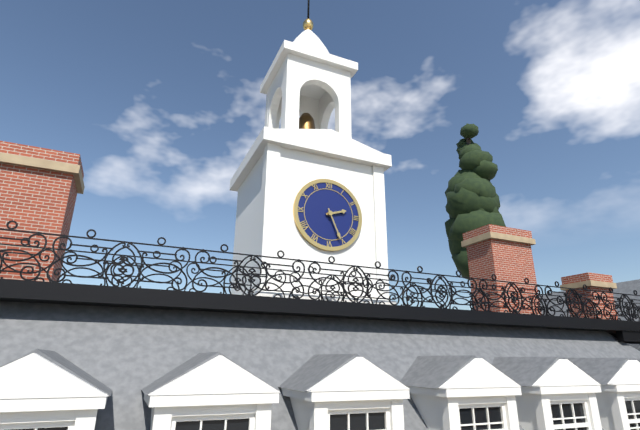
2:26
